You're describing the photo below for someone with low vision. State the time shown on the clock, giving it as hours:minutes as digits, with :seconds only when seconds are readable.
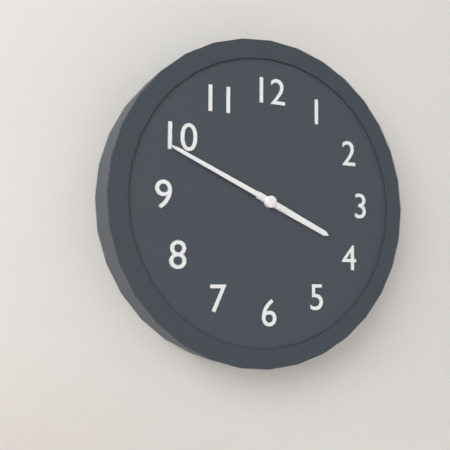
3:49
